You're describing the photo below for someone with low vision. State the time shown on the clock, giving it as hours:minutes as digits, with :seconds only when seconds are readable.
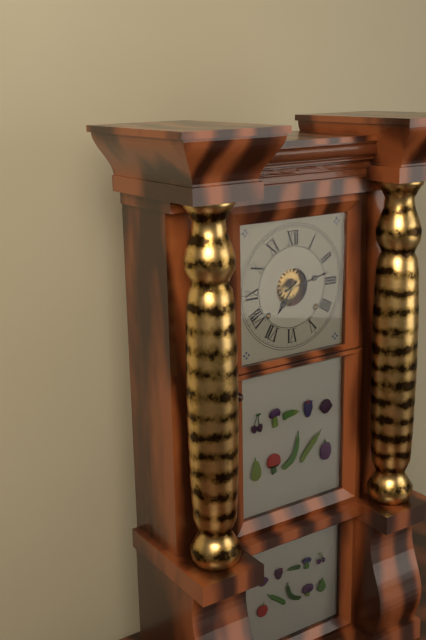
7:13
